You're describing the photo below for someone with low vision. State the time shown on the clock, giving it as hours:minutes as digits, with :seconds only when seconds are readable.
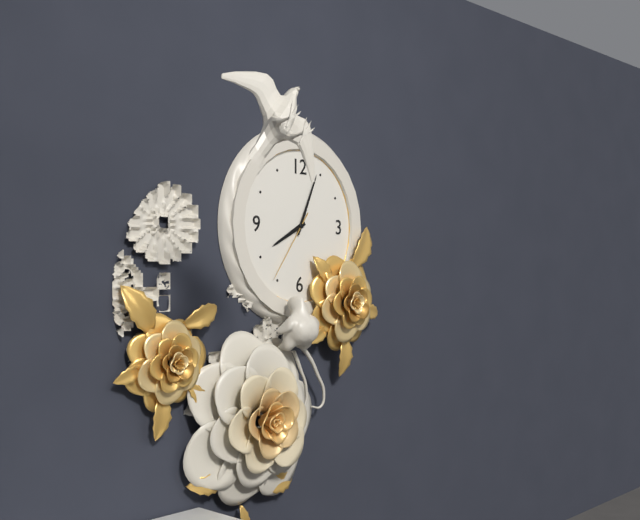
8:04:36
